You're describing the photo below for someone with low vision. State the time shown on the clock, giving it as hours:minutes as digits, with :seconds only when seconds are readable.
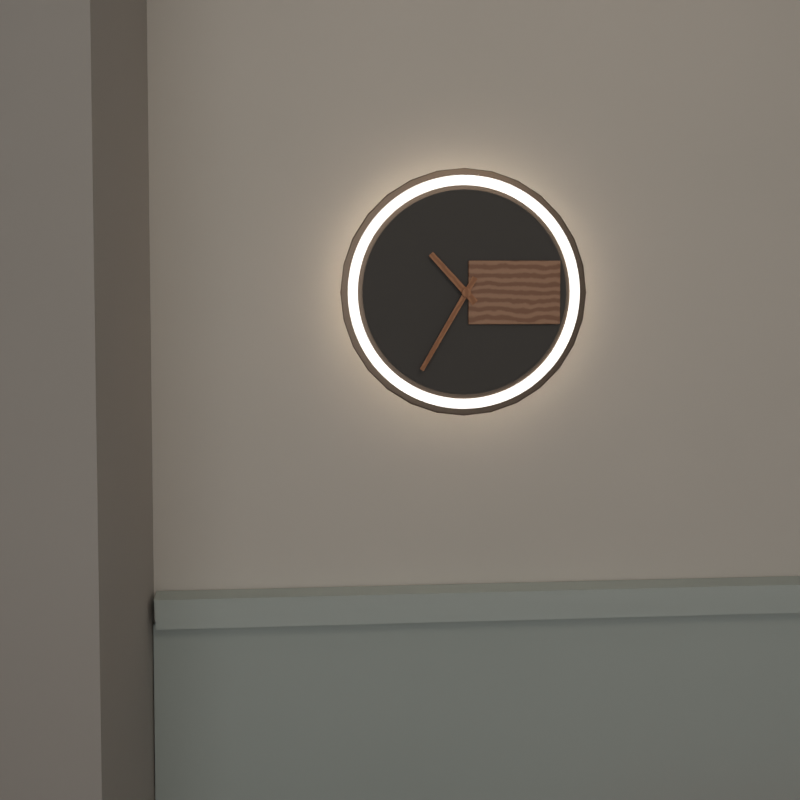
10:35
